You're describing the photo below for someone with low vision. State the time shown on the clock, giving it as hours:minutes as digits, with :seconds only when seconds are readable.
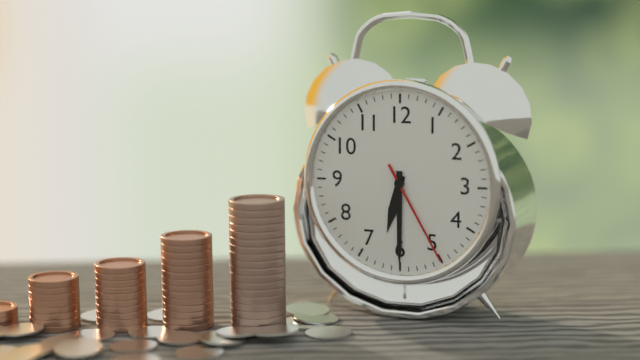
6:30:25
